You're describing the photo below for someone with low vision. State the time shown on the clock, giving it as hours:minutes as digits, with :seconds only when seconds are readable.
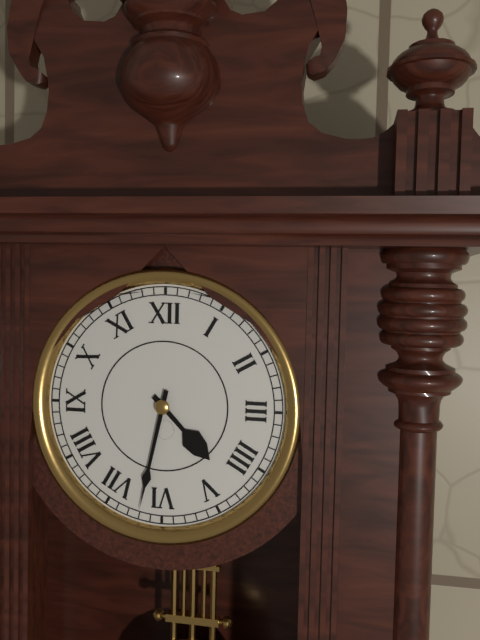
4:32
